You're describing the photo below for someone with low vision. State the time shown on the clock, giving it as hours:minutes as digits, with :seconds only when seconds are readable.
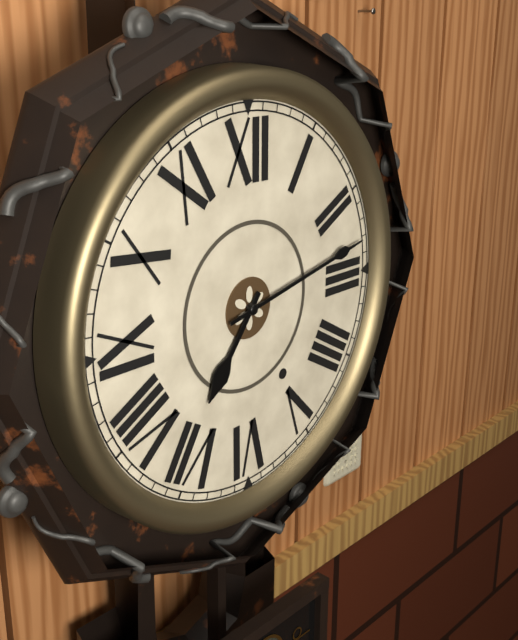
7:13
